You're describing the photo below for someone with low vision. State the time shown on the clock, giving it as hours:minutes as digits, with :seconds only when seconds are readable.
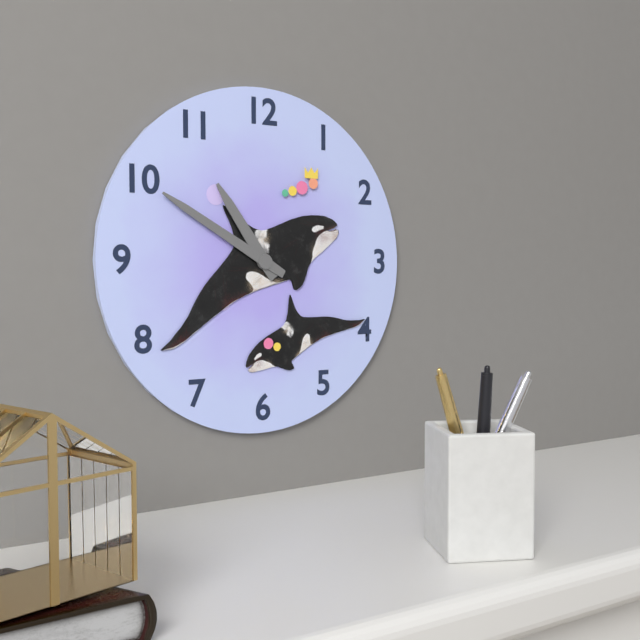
10:50
